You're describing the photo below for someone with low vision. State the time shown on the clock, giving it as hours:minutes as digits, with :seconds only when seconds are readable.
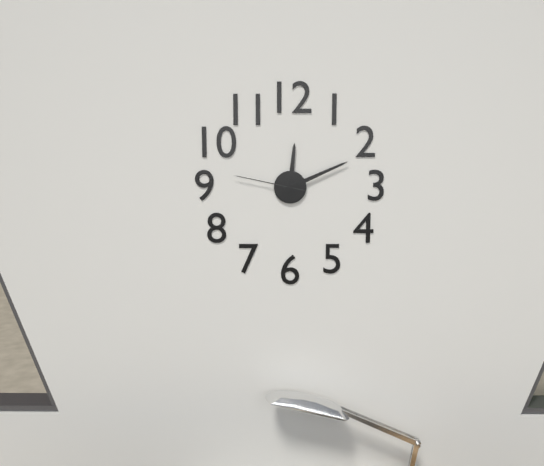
12:11:47
